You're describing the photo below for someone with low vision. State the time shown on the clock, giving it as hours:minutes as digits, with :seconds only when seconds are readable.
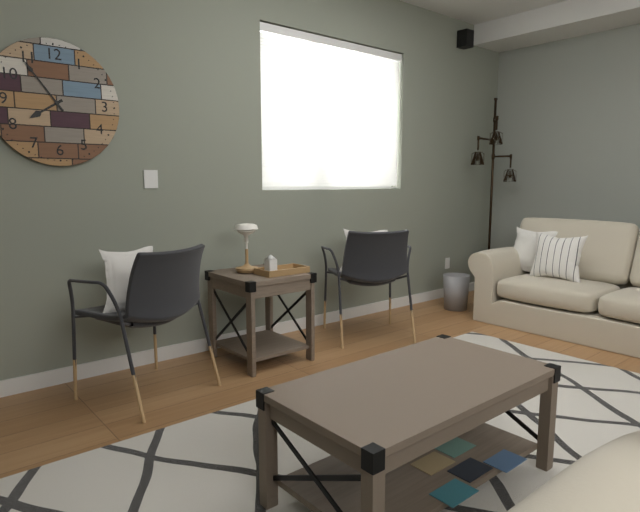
7:54
